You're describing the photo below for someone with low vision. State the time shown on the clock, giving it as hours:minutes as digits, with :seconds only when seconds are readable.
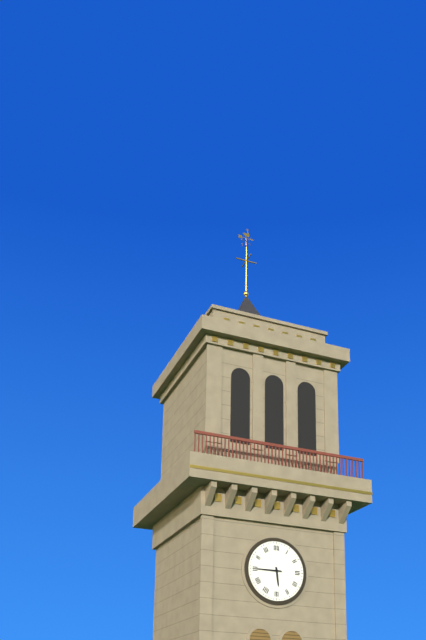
5:45
